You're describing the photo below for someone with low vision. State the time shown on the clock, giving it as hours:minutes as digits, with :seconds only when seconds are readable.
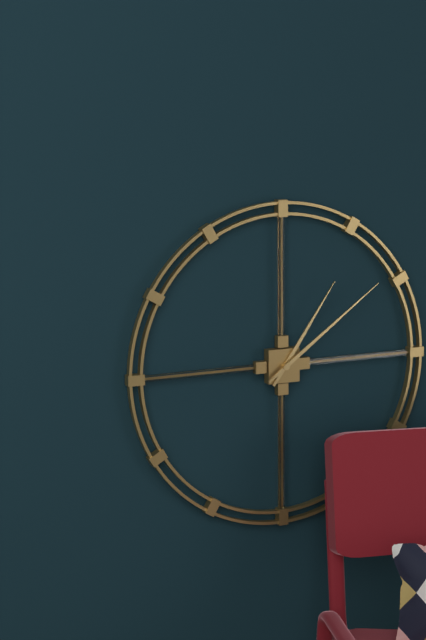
1:09
